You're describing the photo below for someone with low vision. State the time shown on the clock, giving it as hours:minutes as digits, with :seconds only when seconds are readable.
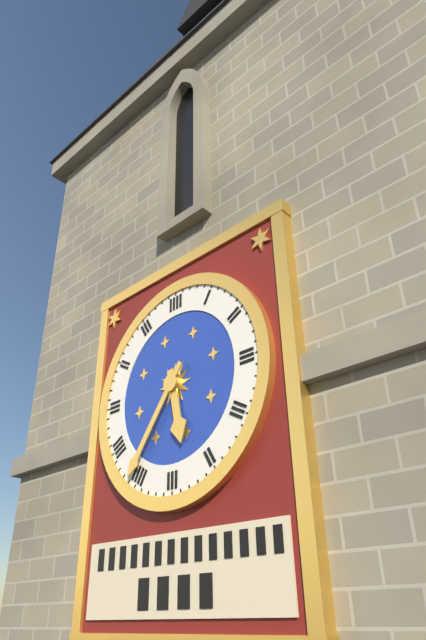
5:36
